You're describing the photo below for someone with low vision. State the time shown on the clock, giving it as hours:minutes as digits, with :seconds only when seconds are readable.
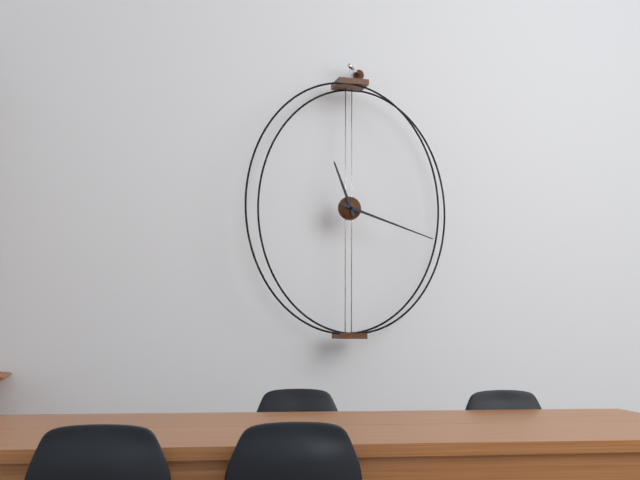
11:18
